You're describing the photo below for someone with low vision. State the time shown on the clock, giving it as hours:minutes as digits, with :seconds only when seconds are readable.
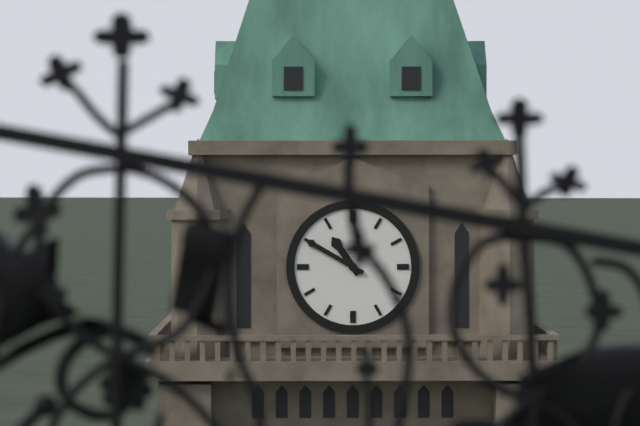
10:50
